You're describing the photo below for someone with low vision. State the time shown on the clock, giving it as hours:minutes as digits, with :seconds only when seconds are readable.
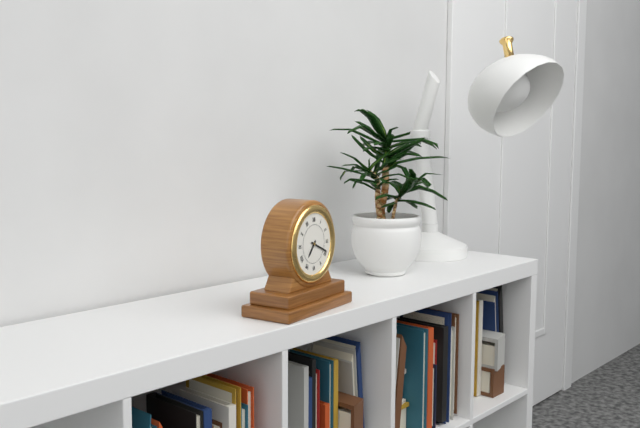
7:19
